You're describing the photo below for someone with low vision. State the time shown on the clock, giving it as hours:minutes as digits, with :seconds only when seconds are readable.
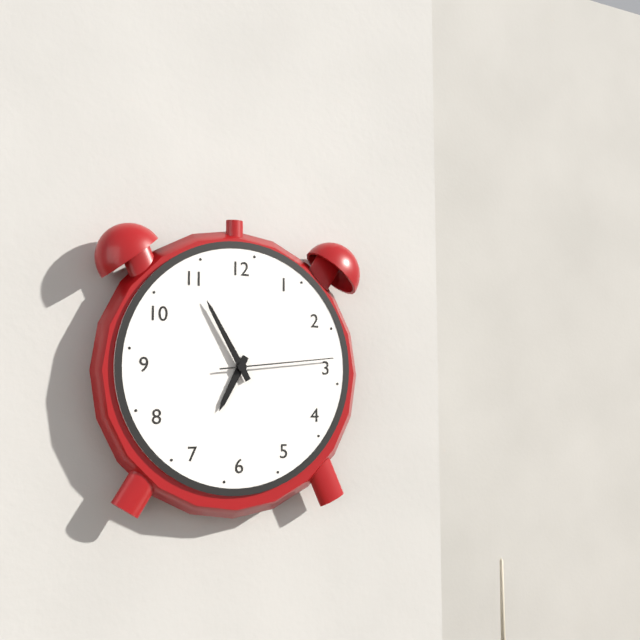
6:55:14
